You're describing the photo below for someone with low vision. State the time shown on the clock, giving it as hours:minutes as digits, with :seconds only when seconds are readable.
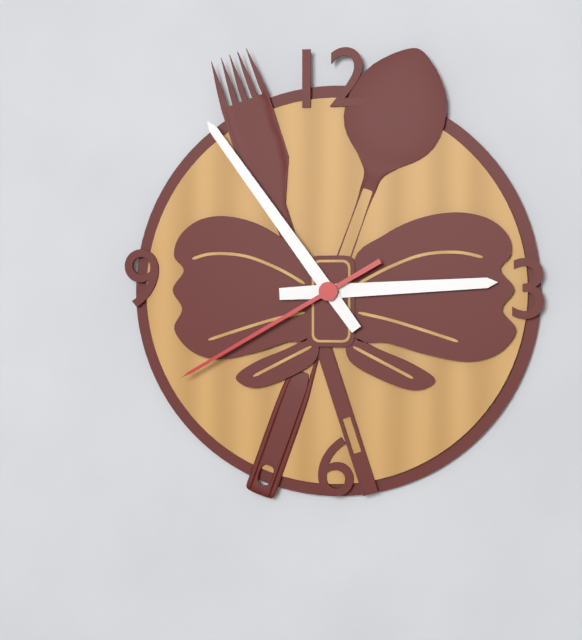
2:54:40
